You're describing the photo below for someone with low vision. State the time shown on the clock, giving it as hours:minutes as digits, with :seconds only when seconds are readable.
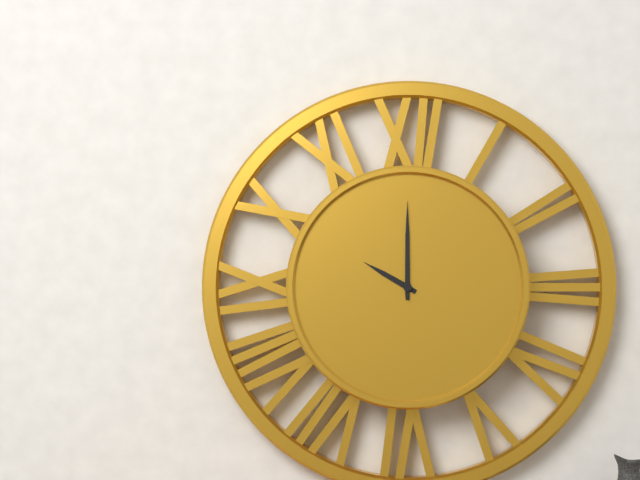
10:00
